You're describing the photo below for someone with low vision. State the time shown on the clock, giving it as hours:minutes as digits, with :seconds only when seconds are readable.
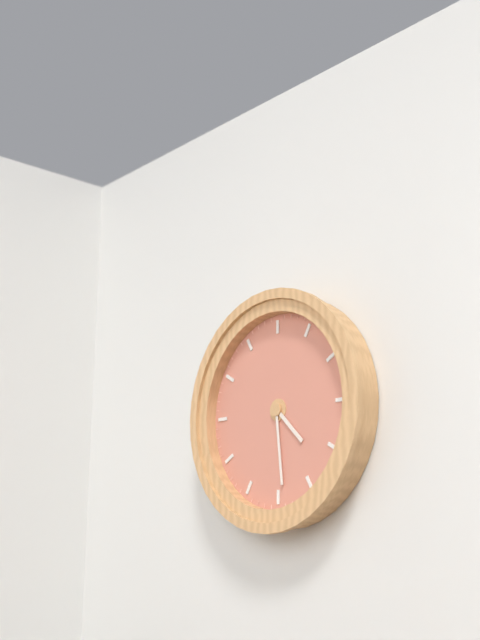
4:29
